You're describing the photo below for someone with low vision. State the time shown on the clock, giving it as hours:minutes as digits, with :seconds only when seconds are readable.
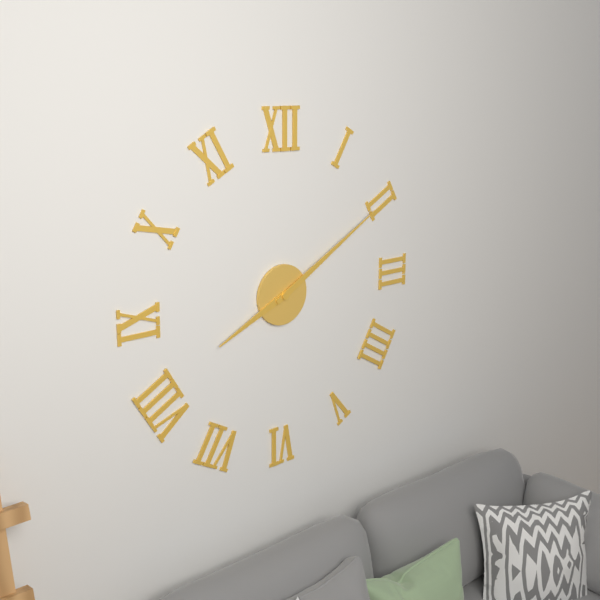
8:10
